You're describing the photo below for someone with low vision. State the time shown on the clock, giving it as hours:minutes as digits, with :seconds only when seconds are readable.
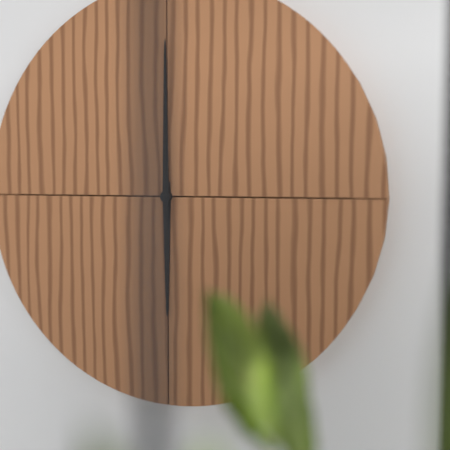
6:00
